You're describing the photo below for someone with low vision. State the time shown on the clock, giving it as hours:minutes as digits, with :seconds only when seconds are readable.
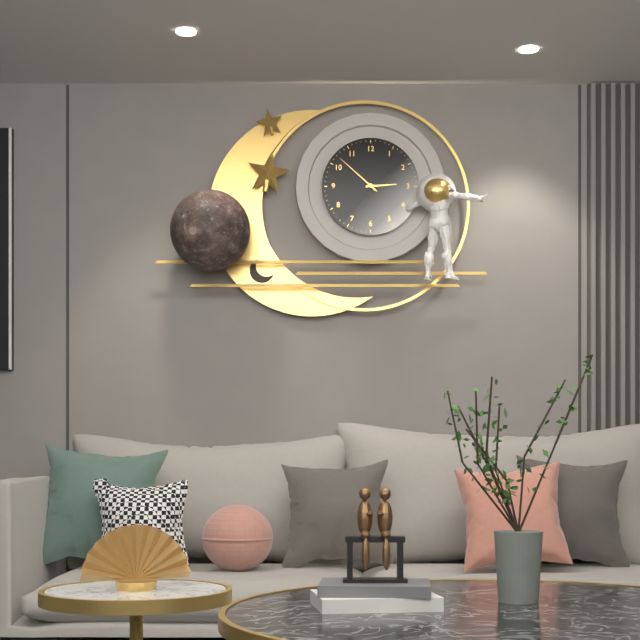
2:52:52
